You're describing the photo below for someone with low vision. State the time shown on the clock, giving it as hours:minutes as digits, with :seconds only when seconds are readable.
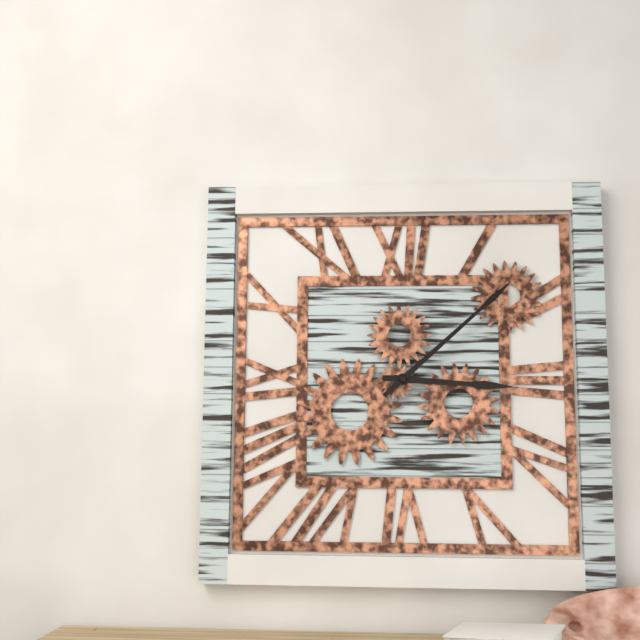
3:08
